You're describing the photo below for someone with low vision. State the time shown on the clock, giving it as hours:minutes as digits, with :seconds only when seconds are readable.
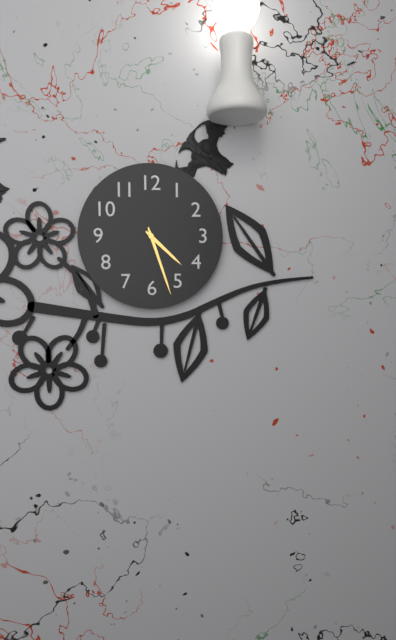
4:27
